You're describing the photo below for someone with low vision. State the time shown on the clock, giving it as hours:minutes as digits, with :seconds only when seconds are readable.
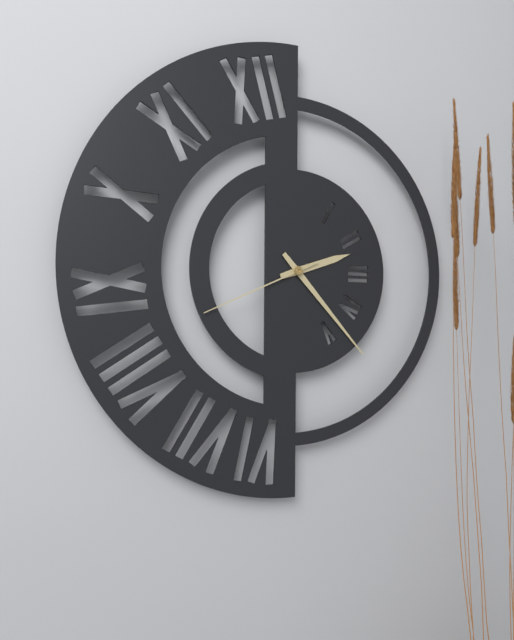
2:23:41
